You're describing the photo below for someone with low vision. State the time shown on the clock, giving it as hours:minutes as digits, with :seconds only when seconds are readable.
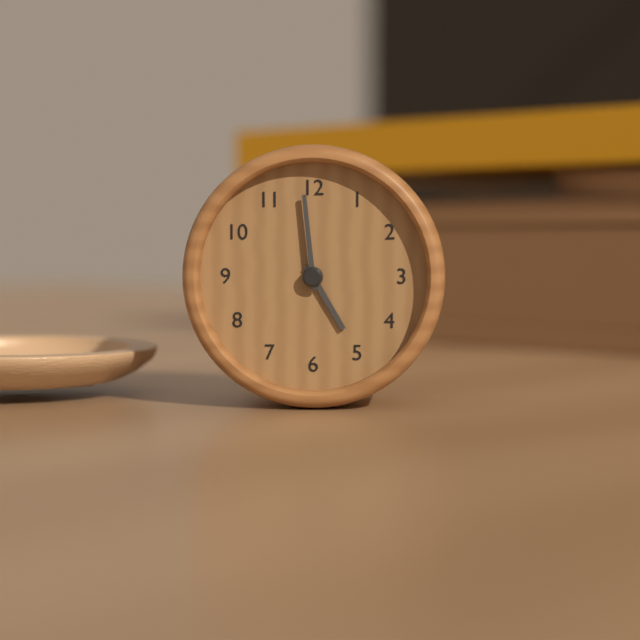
4:59
